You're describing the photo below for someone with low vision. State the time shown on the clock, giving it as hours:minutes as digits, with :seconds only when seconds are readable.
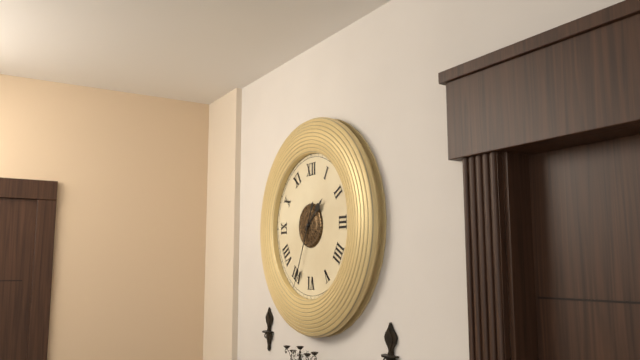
1:34
